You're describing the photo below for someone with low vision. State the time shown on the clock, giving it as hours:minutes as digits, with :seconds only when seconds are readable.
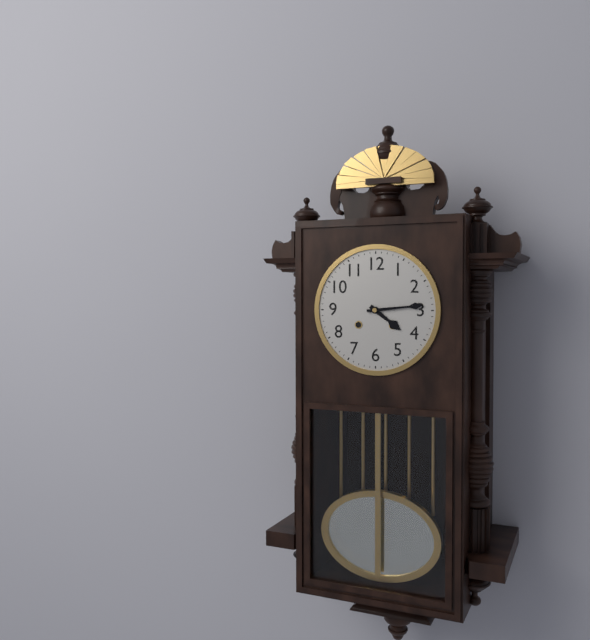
4:14
